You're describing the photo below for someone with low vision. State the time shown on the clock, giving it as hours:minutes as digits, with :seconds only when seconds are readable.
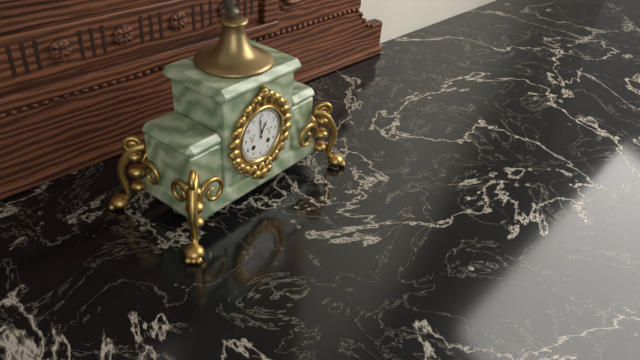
12:59
